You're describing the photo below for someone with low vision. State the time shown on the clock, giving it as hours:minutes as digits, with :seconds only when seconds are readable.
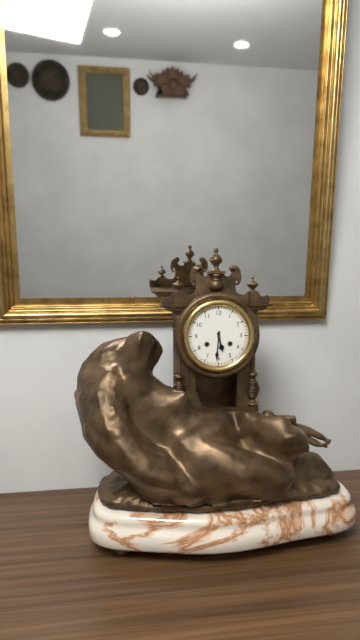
5:31
